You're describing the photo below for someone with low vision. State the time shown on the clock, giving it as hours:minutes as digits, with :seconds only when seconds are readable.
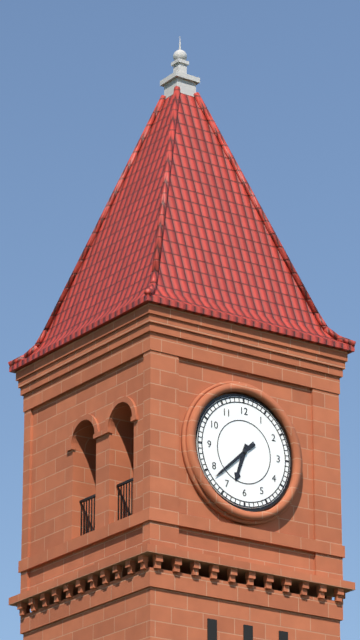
6:38
